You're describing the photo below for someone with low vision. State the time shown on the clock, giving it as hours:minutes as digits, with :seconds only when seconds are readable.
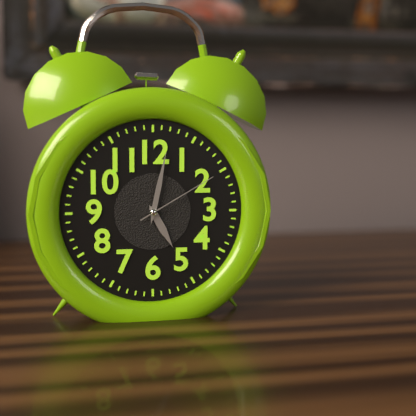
5:02:10
